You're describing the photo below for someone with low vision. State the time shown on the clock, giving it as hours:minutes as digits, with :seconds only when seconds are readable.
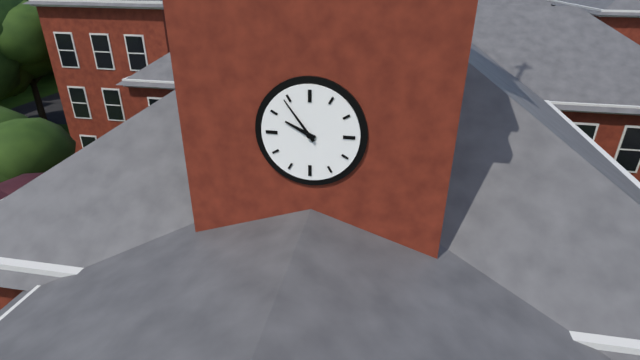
9:54
